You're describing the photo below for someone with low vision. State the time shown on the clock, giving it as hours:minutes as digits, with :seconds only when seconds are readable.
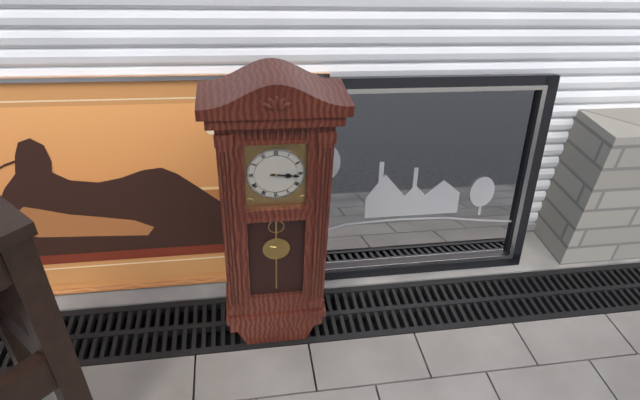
3:16
